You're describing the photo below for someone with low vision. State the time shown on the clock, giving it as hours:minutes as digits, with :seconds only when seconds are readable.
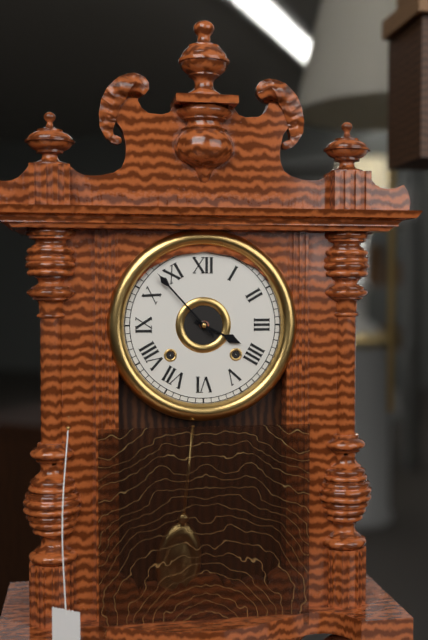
3:53
